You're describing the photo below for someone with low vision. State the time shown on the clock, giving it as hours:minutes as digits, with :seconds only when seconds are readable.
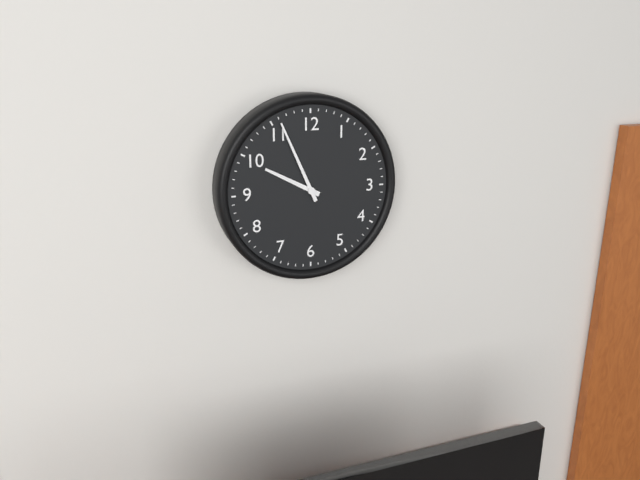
9:56
